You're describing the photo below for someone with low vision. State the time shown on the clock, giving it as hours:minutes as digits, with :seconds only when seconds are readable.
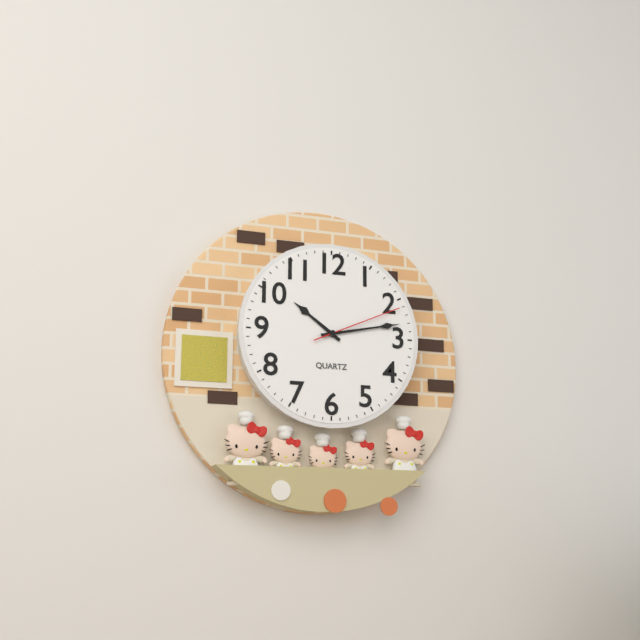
10:13:11
